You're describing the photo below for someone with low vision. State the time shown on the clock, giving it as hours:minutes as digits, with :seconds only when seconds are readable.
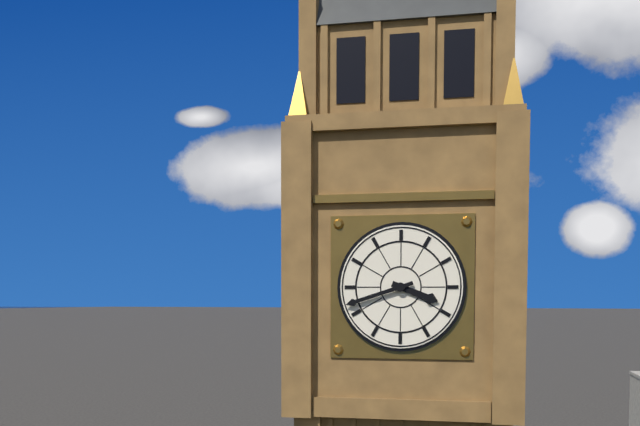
3:42
